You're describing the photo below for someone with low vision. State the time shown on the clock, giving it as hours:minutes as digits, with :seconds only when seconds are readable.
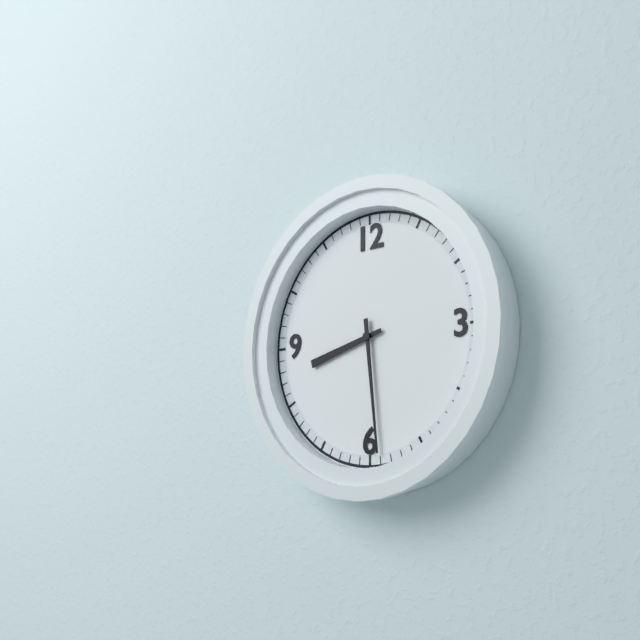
8:29
